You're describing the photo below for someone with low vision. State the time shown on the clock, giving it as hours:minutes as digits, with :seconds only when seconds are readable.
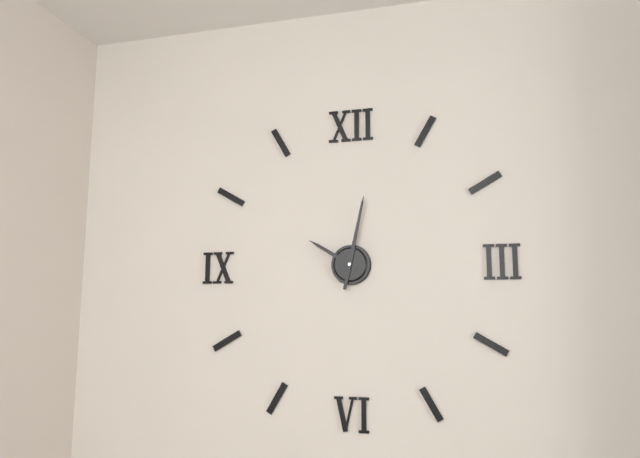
10:02
